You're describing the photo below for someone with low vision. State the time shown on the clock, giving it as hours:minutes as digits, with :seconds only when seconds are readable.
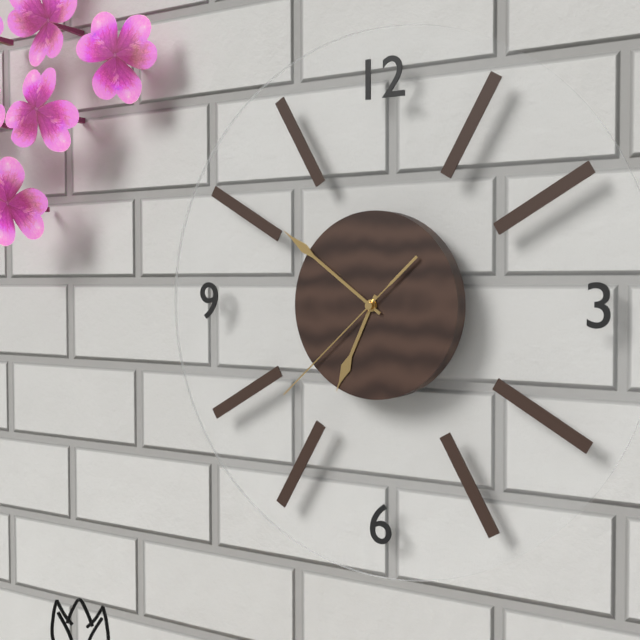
6:51:38
